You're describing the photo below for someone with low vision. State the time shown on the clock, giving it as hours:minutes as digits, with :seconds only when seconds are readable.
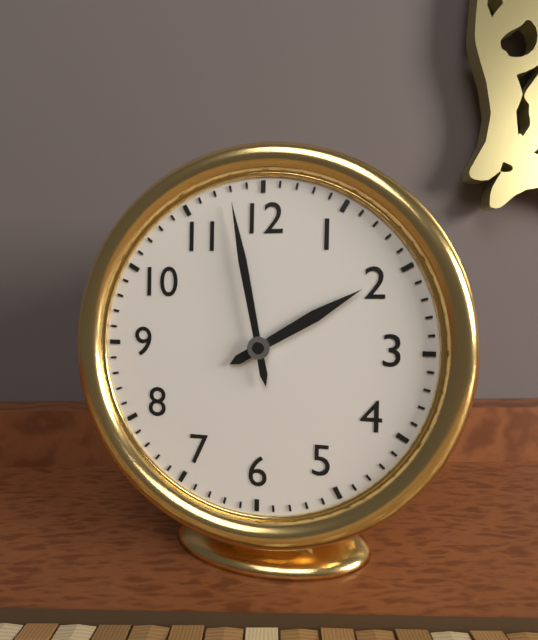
1:58
